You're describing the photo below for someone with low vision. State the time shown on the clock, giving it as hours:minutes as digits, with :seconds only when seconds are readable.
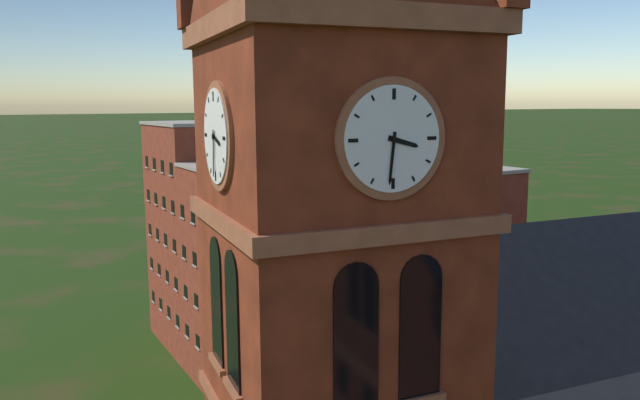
3:31
